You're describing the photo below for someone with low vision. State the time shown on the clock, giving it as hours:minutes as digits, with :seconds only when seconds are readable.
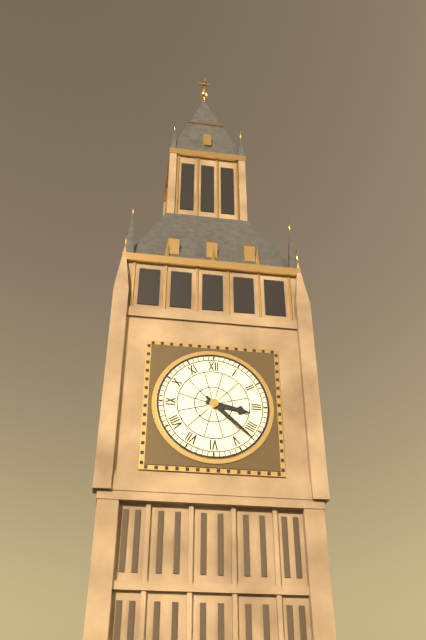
3:22
